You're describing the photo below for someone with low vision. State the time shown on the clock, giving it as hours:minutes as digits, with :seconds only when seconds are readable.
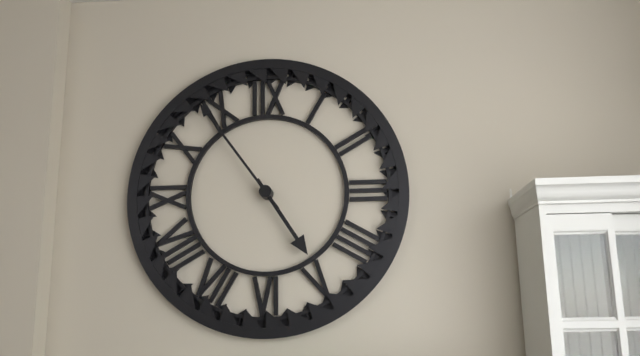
4:54
